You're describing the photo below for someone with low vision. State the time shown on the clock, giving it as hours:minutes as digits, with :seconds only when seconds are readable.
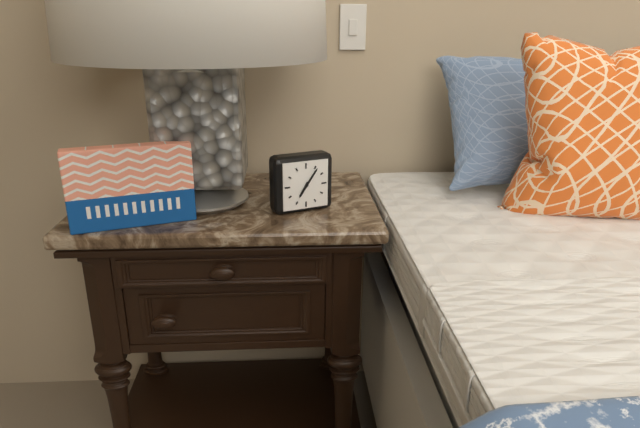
7:06
